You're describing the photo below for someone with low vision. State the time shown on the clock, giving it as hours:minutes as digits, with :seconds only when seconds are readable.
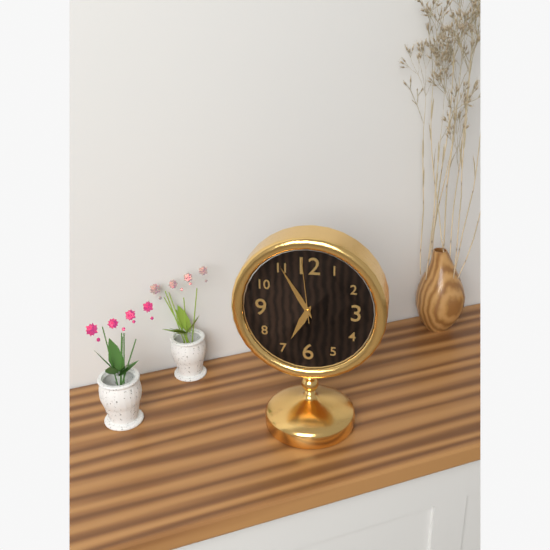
6:55:59
